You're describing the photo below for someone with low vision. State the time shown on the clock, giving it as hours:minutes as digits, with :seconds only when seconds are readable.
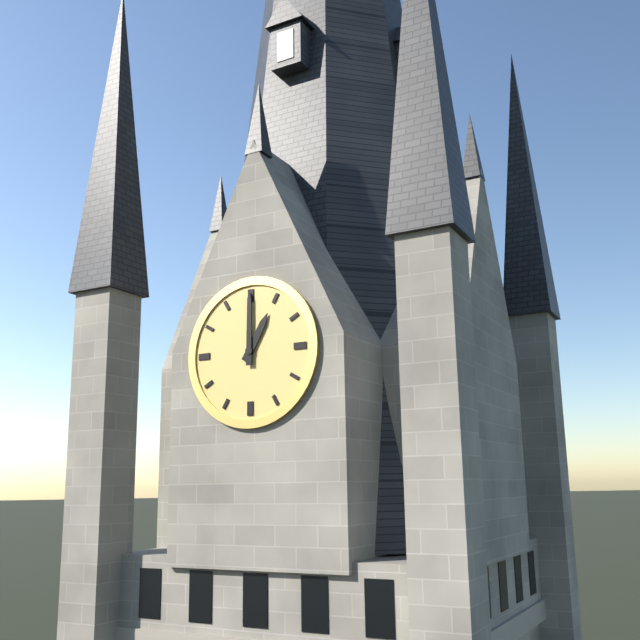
1:00
